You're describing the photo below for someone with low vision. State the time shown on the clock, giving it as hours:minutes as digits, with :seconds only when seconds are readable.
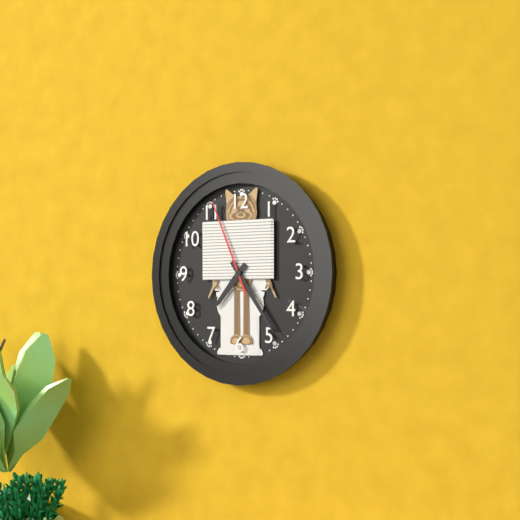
7:24:56
